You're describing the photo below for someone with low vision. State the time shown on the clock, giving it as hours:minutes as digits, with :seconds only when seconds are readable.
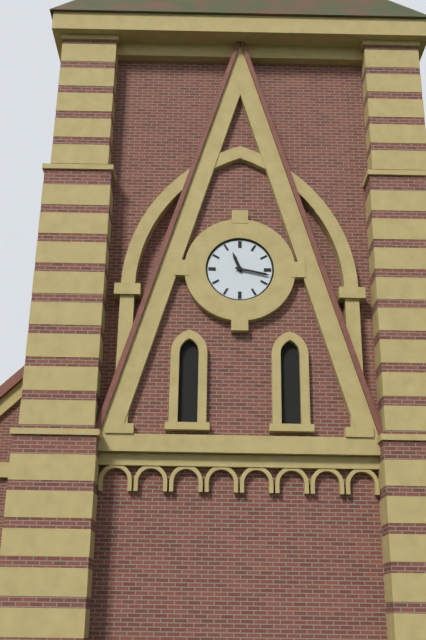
11:17
